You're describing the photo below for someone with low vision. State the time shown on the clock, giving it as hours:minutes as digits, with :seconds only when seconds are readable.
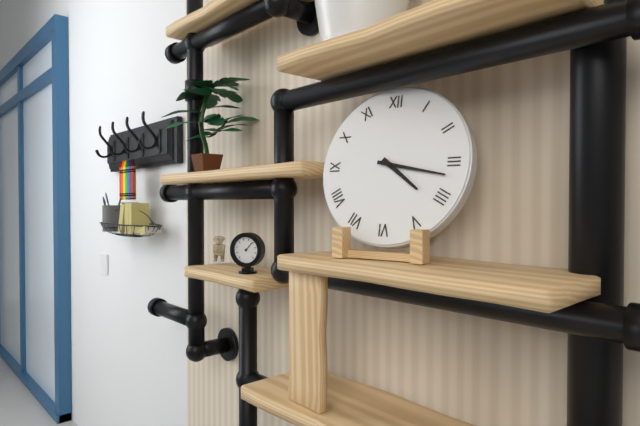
4:17
